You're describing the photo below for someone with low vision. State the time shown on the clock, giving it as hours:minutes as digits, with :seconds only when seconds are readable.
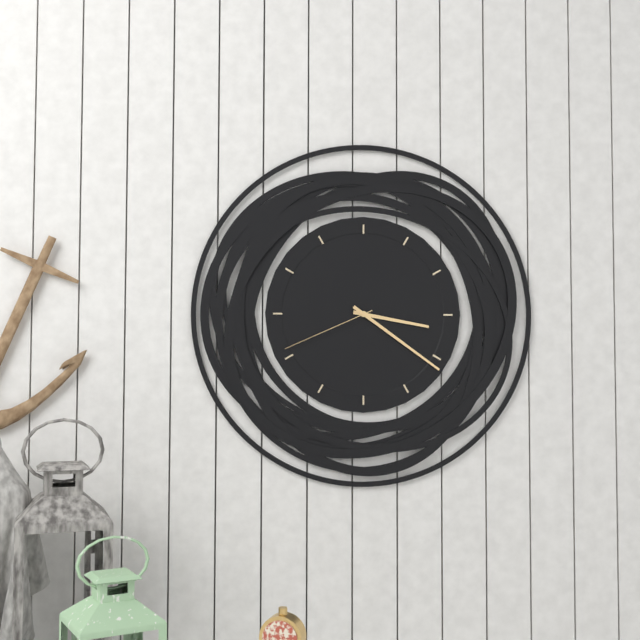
3:21:41
